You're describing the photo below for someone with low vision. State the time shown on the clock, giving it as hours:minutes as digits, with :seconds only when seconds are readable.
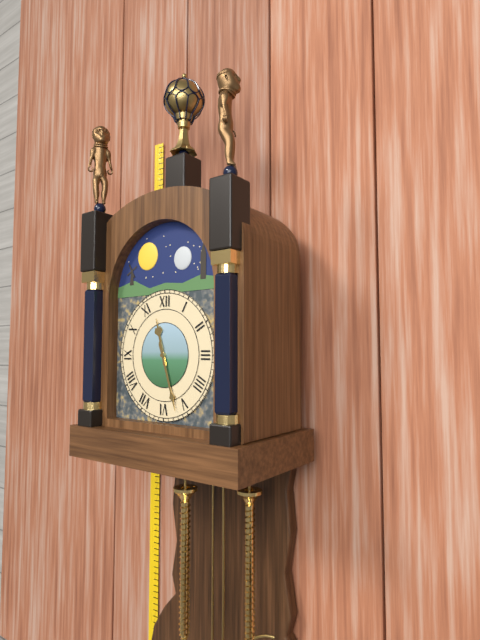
11:27
